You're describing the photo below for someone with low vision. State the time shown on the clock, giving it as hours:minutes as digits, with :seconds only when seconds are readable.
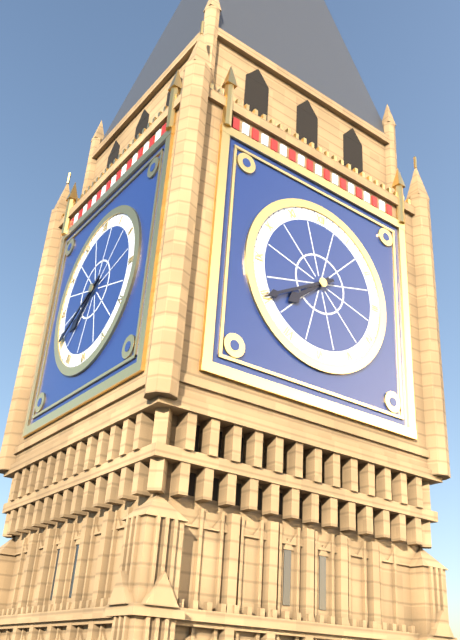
7:40
